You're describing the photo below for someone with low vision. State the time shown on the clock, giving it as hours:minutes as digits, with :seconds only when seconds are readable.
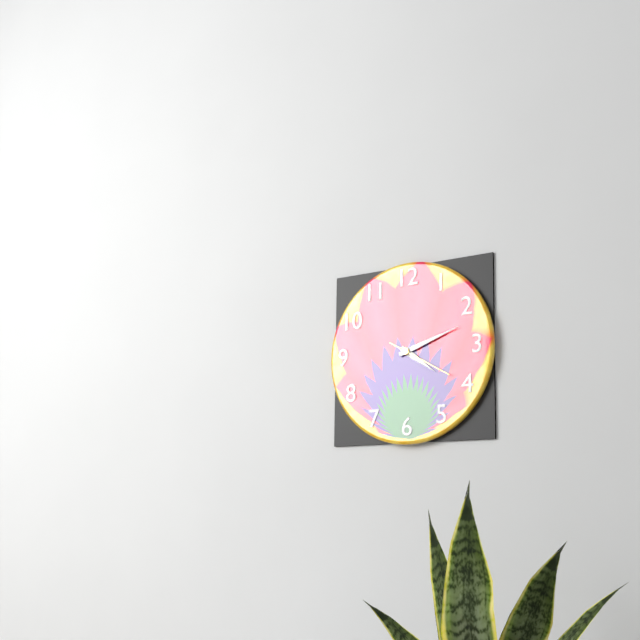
4:12:20
